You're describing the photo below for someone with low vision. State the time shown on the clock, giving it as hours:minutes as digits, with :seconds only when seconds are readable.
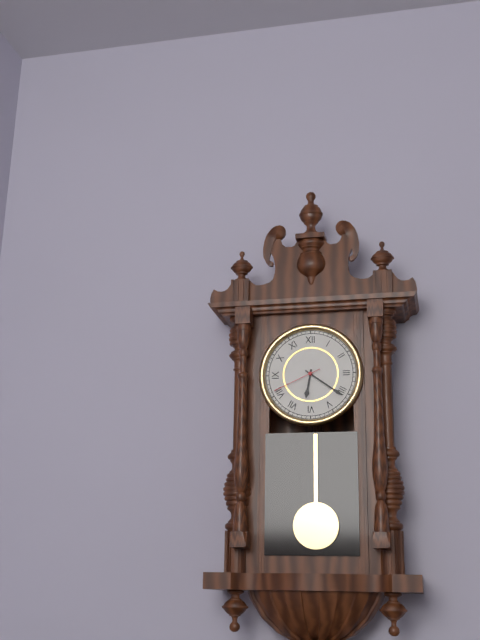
6:21:41
